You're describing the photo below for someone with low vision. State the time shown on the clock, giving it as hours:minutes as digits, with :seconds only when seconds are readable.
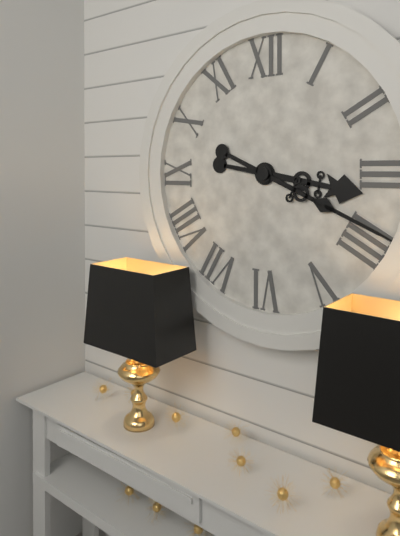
3:19
